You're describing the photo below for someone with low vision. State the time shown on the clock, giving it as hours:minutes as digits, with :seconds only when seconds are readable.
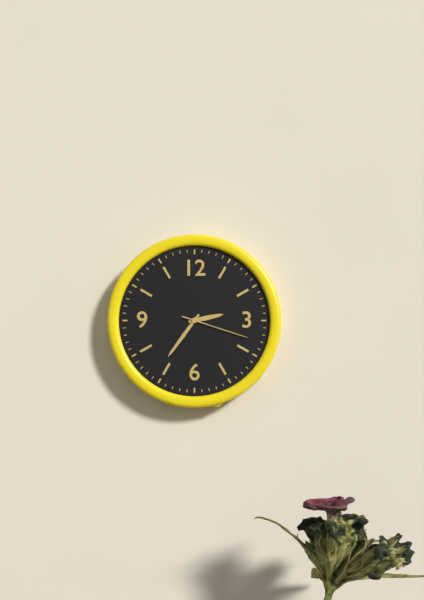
2:36:18
